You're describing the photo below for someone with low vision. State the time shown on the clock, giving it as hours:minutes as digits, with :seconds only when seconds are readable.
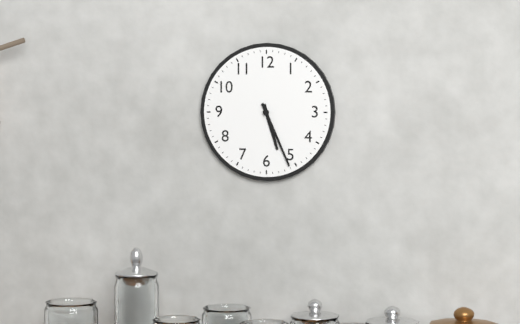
5:26
